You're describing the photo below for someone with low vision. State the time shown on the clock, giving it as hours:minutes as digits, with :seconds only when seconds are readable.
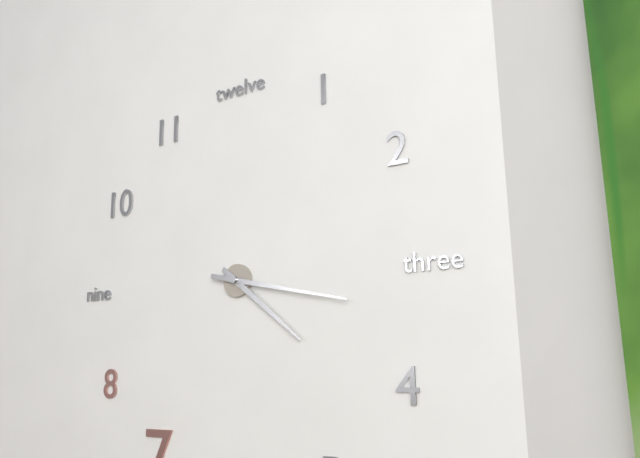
4:17
